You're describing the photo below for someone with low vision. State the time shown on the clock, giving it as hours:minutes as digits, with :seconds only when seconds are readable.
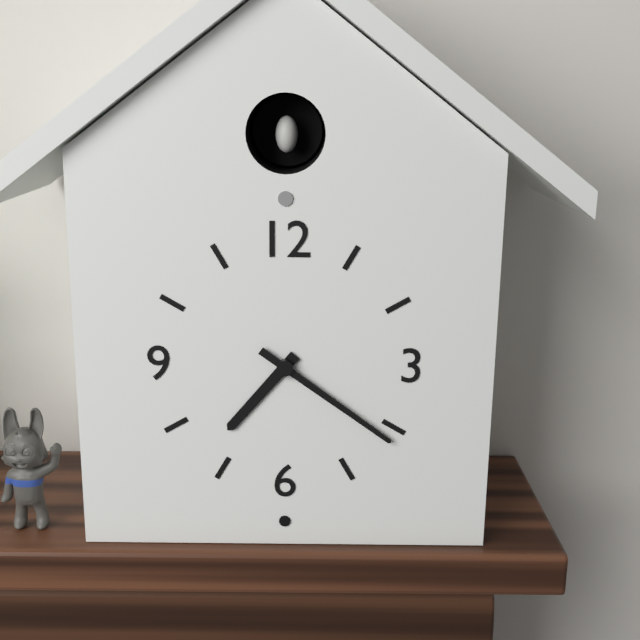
7:21
